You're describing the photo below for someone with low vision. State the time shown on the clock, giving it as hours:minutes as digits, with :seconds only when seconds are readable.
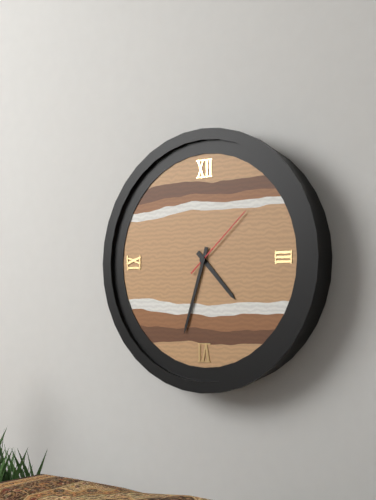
4:33:08
